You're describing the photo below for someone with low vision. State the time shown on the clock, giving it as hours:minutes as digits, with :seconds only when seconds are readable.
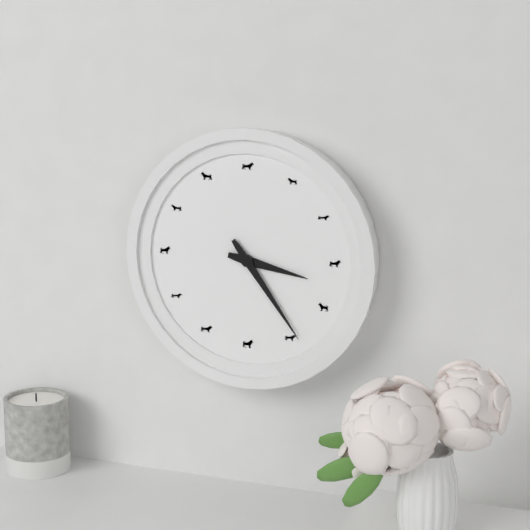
3:24
